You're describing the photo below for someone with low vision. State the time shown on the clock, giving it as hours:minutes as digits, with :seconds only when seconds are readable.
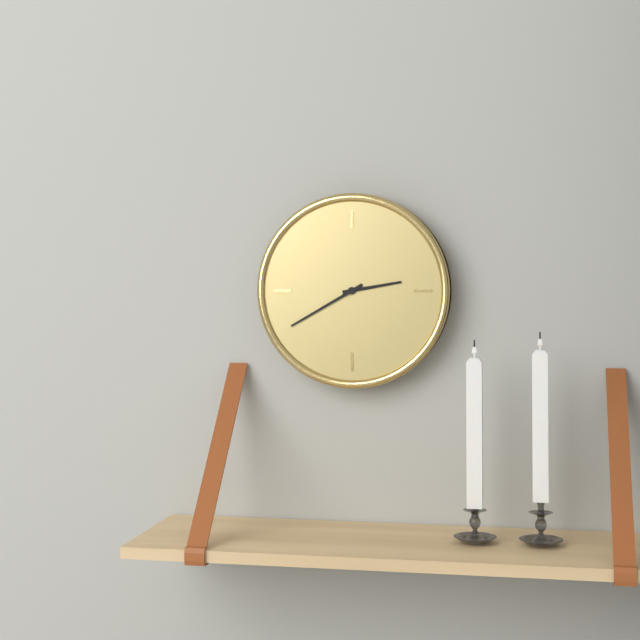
2:40
